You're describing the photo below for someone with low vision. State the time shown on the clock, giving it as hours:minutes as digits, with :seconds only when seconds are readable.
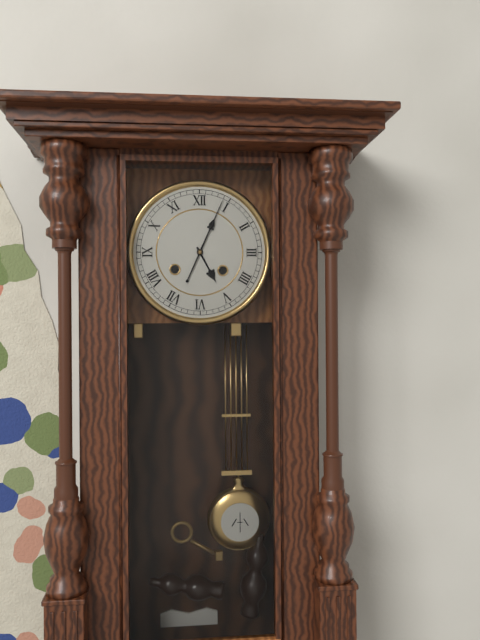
5:04
